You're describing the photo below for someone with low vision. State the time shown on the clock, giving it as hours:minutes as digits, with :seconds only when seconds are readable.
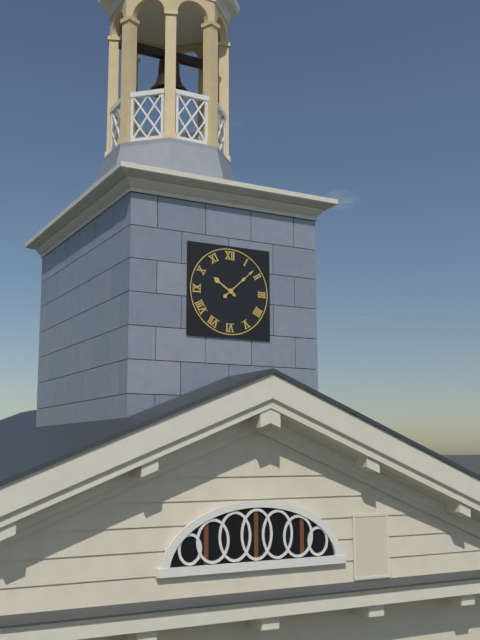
10:08
